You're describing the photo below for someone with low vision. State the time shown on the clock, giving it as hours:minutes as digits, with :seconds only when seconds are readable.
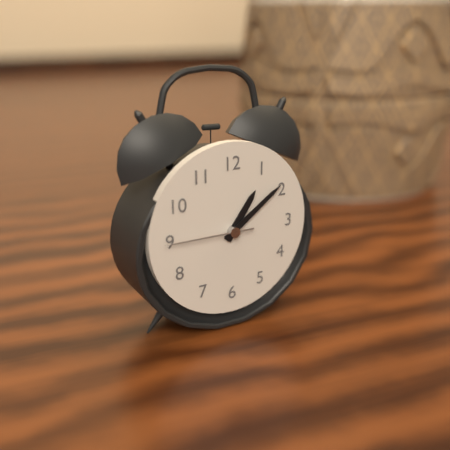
1:09:45
